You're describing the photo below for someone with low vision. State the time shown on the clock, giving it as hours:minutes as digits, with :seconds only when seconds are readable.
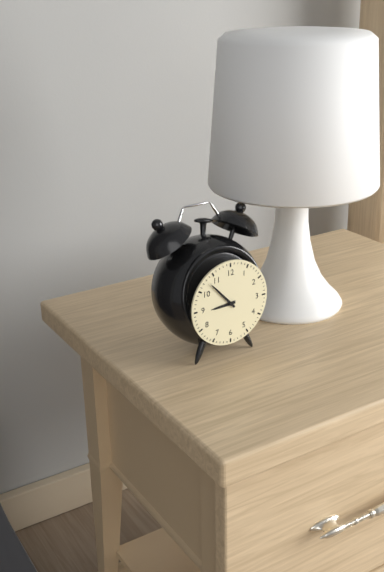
8:53
